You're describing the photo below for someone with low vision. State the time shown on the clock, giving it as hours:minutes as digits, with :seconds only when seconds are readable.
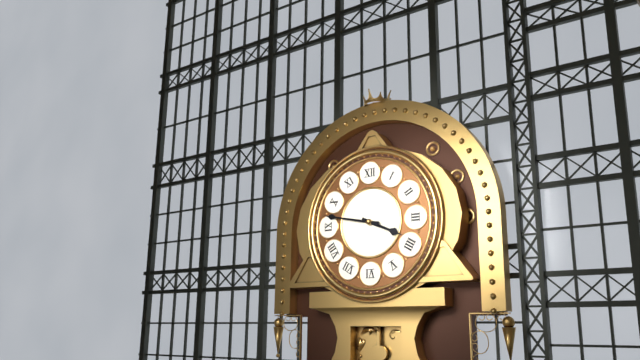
3:47
